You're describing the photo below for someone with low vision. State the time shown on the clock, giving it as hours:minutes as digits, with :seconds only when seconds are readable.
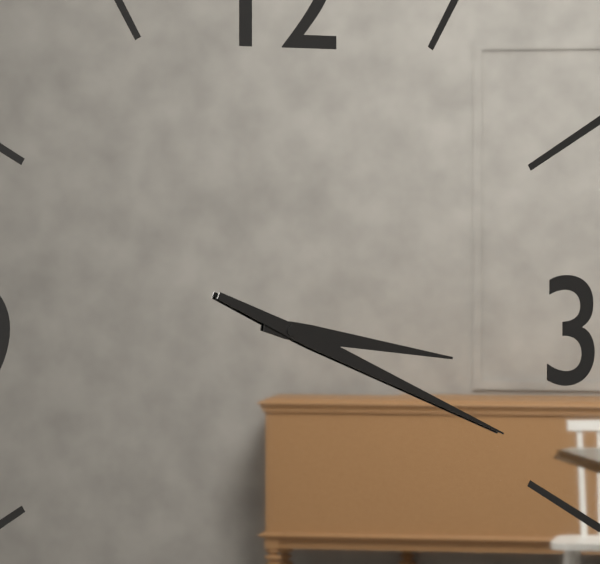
3:19
